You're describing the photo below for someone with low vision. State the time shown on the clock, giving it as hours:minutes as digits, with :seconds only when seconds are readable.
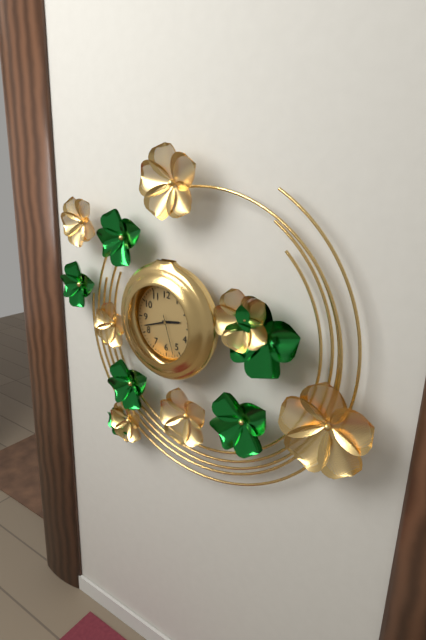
2:42
